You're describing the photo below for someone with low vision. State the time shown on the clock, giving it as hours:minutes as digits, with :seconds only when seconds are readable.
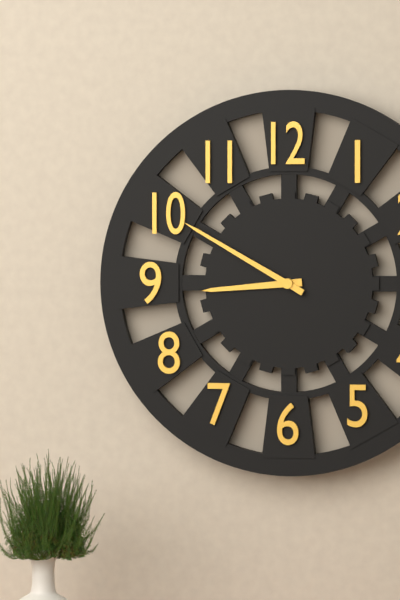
8:50
